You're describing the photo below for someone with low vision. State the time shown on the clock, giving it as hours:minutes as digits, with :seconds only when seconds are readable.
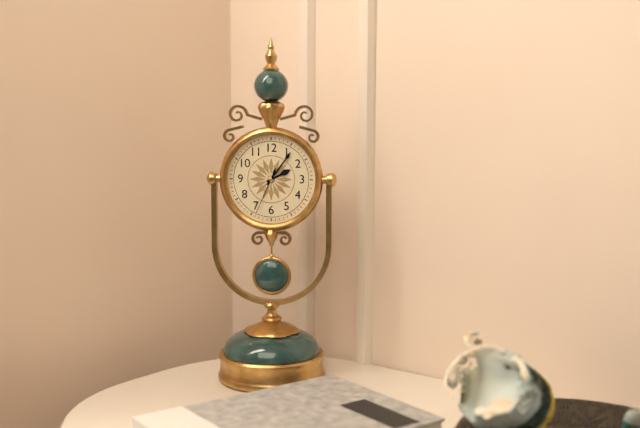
2:06
